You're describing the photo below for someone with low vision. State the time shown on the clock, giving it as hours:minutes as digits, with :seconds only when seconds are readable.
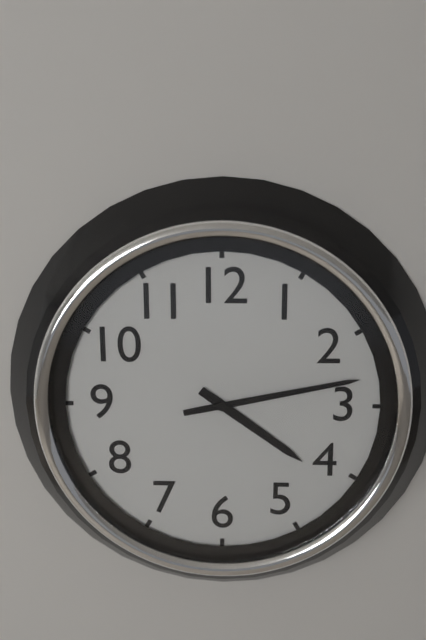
4:13
